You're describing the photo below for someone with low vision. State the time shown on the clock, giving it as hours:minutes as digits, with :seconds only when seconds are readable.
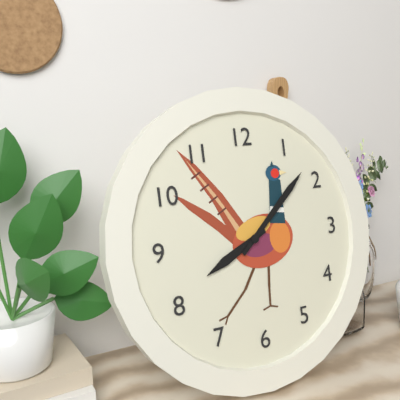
8:08
